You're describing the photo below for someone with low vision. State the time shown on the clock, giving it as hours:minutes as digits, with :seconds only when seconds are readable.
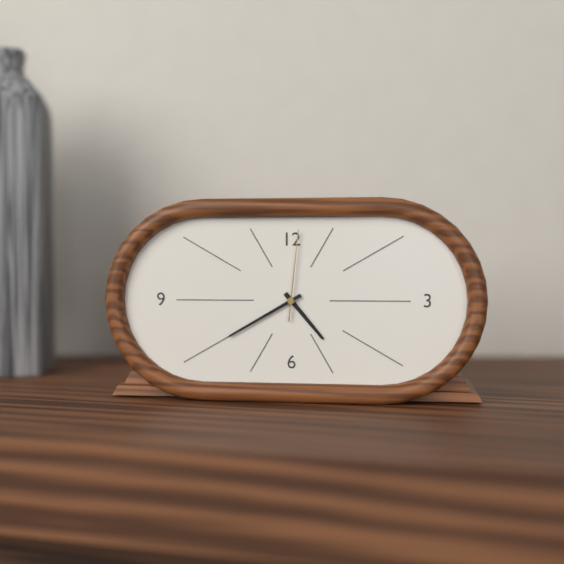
4:40:01
